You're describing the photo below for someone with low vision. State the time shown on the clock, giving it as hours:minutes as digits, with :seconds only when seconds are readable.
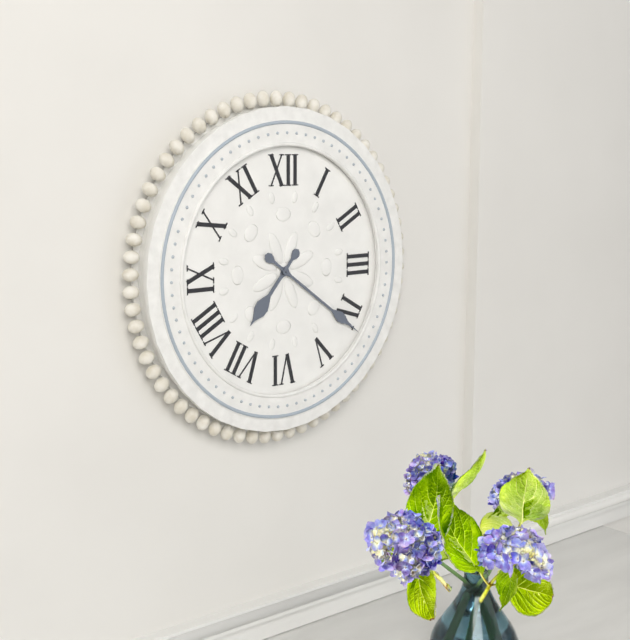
7:21
